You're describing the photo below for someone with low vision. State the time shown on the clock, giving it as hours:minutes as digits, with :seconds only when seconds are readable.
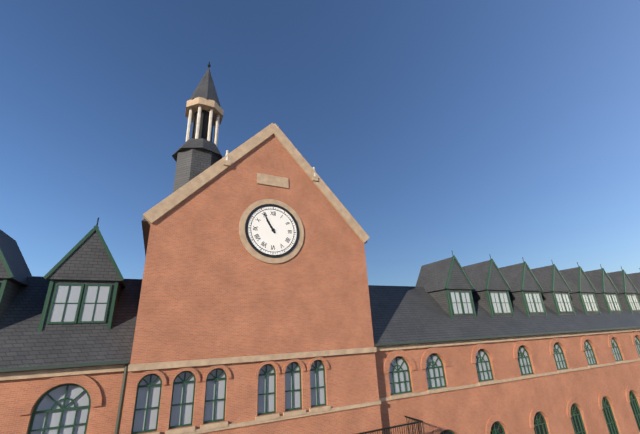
10:55
